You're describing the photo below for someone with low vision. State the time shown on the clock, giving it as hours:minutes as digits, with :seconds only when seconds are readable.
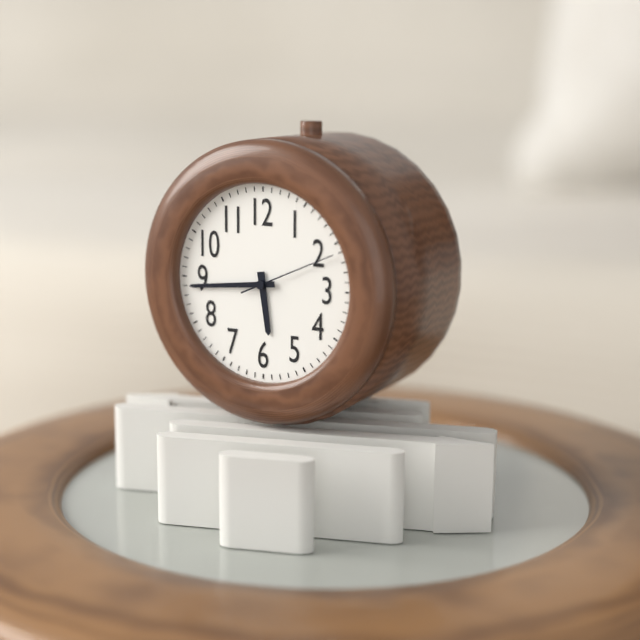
5:44:11
